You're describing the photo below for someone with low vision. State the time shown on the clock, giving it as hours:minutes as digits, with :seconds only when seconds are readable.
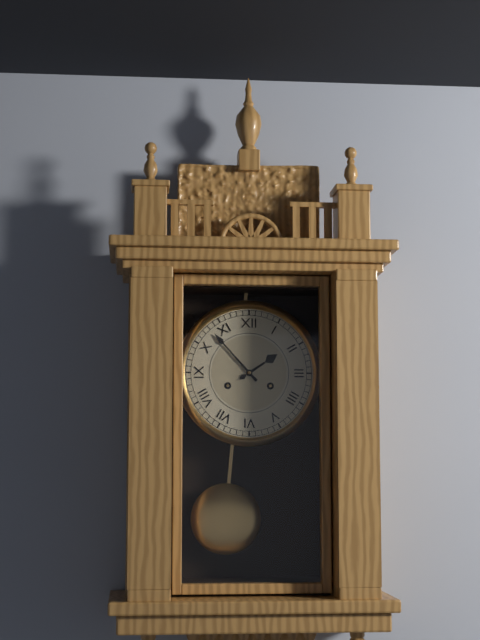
1:53
